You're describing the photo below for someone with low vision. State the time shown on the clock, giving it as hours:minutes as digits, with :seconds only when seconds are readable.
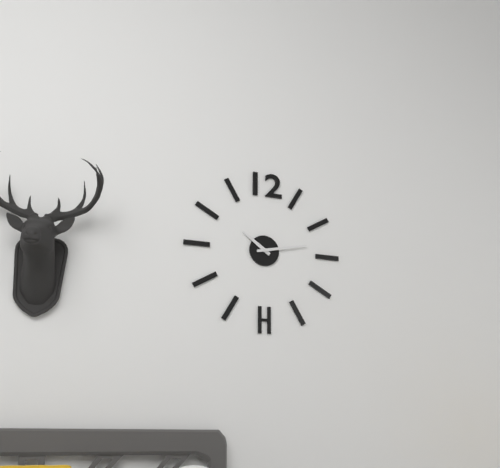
10:13
